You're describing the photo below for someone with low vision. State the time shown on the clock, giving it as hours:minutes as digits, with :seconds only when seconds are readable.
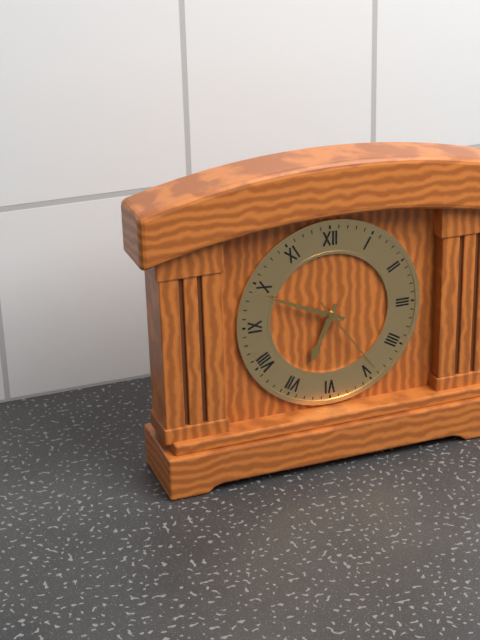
6:49:24
